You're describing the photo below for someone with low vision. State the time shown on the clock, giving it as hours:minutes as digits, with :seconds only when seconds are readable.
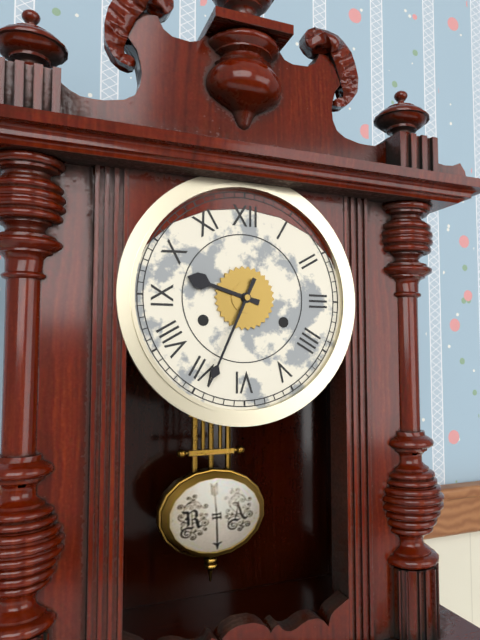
9:34
